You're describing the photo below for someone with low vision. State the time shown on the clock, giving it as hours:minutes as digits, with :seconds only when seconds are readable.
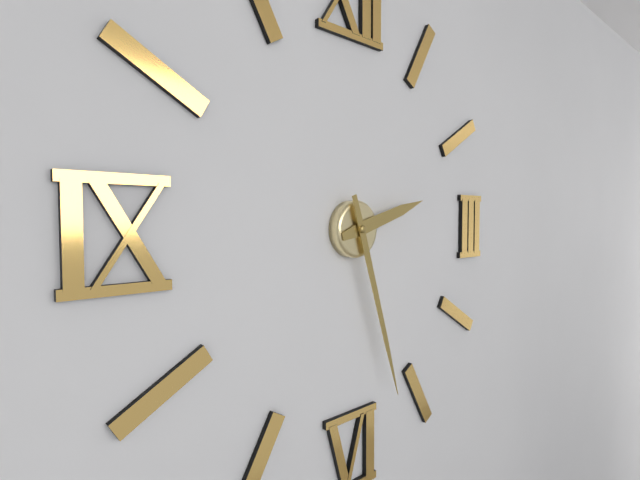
2:27
